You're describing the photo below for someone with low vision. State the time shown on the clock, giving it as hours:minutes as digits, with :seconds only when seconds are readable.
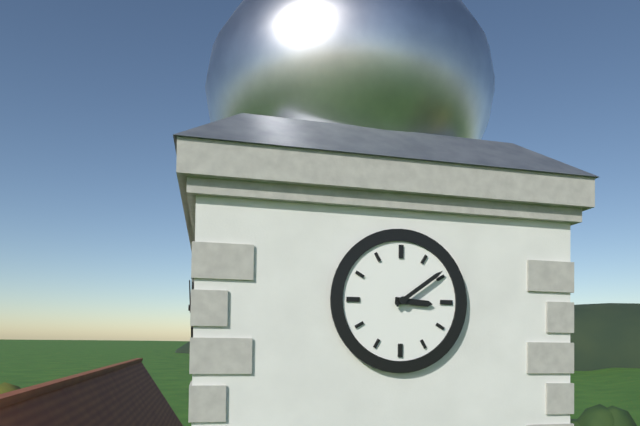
3:09
